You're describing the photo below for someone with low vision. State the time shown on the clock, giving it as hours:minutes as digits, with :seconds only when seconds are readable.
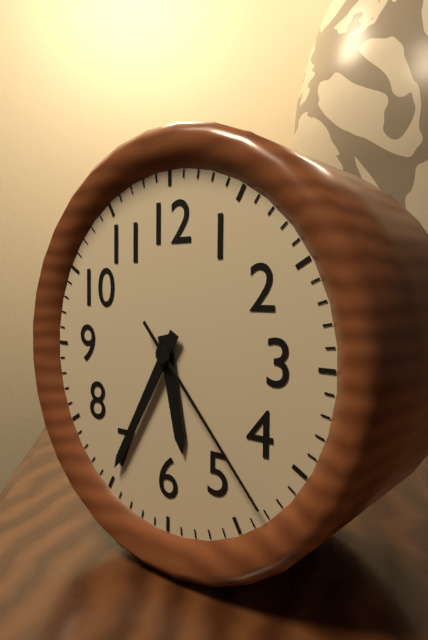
5:35:23
